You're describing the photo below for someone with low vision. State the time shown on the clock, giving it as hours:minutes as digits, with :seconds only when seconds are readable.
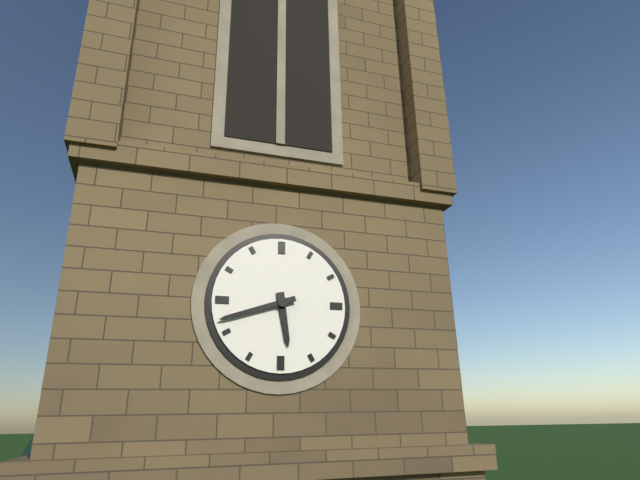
5:42
